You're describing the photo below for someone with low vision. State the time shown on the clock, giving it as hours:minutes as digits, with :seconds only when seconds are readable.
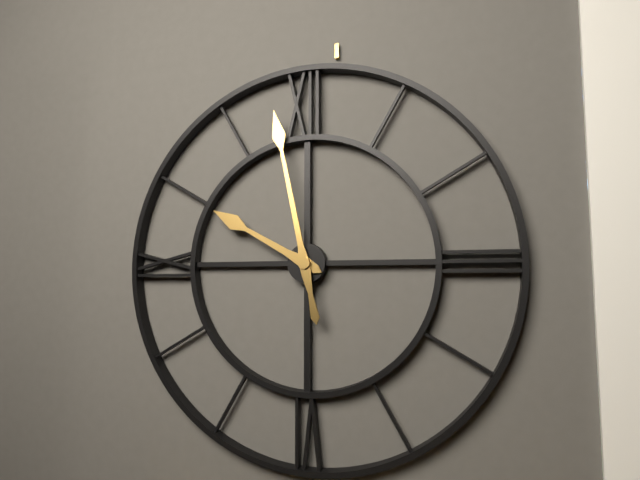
9:58
